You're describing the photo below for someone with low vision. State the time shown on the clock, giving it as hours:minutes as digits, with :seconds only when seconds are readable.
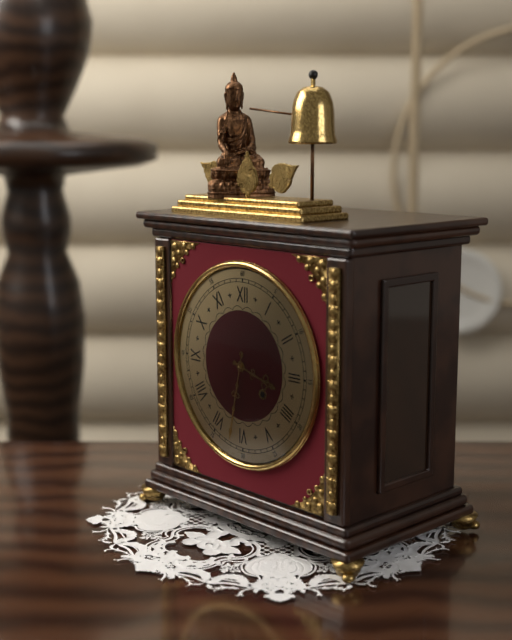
3:32
